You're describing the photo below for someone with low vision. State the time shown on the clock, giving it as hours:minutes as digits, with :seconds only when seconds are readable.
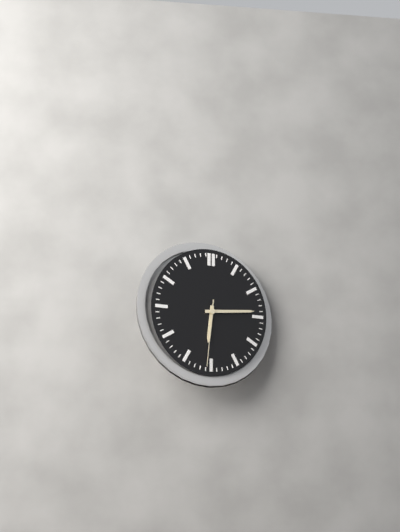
6:14:31
